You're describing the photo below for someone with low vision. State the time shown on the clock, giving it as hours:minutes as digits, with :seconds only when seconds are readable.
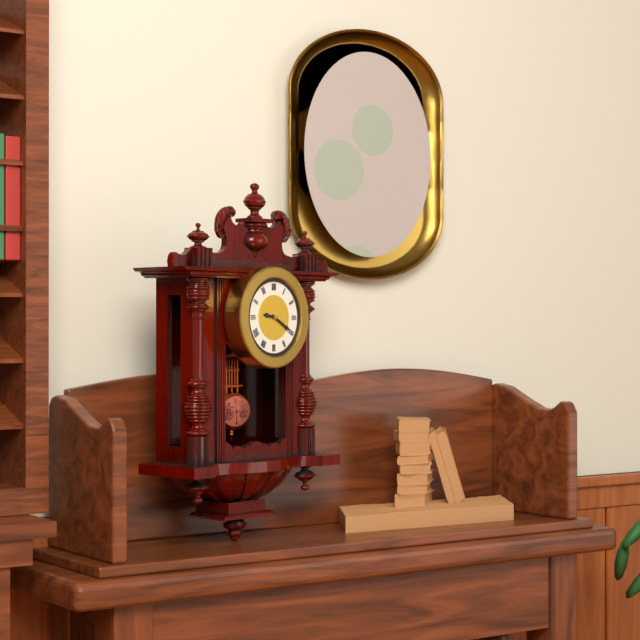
9:20
